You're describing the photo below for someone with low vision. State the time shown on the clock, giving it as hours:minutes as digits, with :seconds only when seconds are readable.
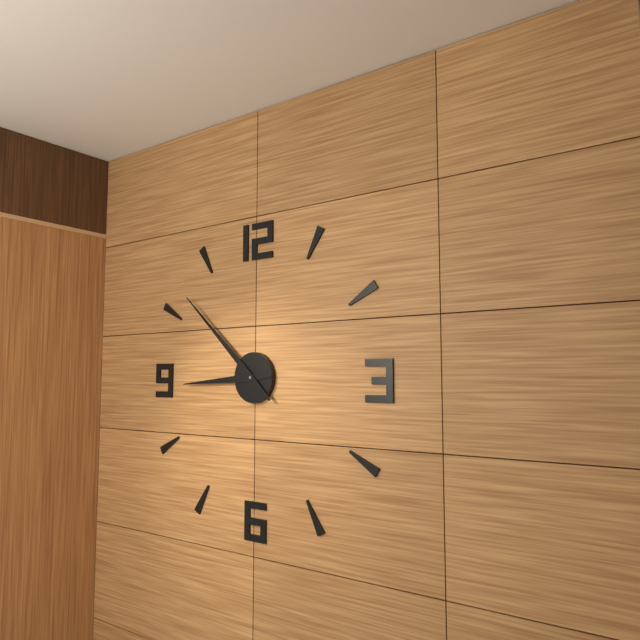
8:52
